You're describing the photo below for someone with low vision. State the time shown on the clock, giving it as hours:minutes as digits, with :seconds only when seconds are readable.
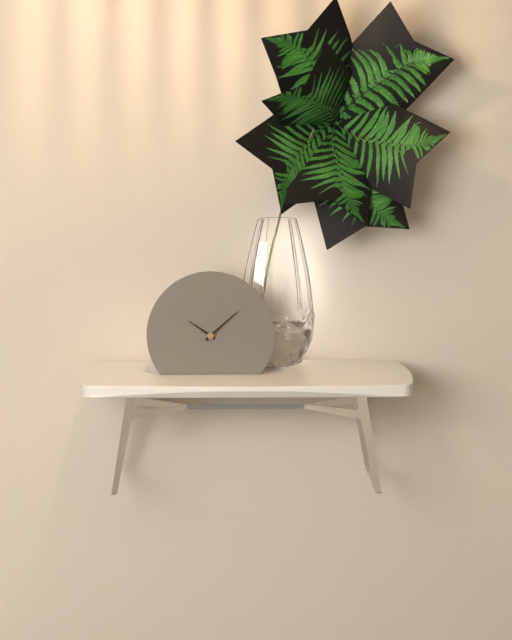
10:08
